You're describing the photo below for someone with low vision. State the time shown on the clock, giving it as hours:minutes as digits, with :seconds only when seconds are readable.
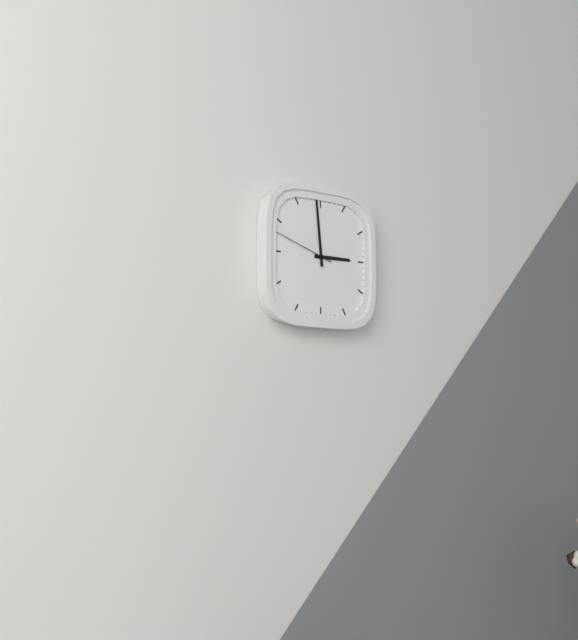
2:59:48
